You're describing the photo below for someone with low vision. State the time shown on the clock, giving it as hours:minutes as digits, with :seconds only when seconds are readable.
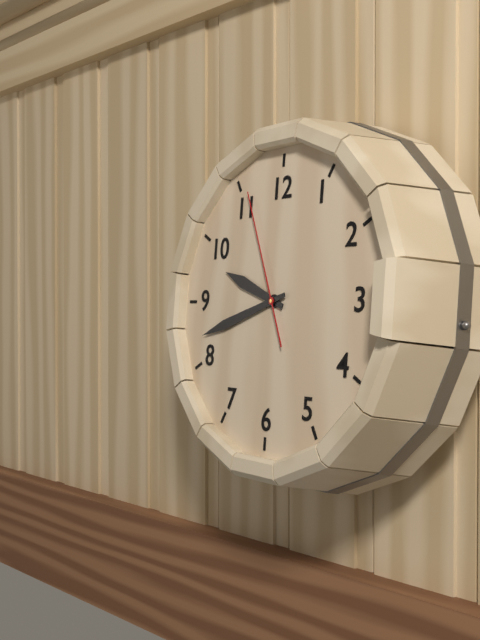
9:42:56
